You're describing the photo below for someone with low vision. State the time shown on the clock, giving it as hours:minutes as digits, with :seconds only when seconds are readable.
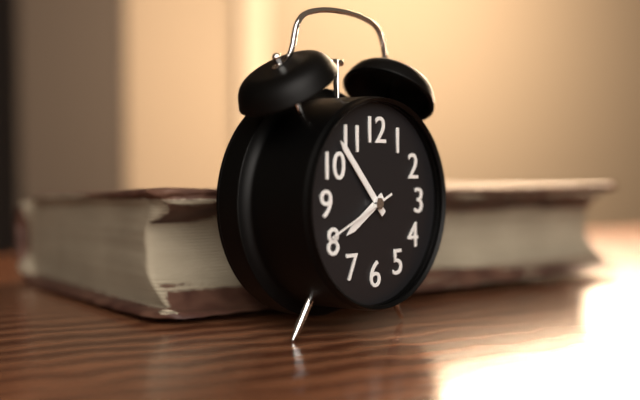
7:53:41
